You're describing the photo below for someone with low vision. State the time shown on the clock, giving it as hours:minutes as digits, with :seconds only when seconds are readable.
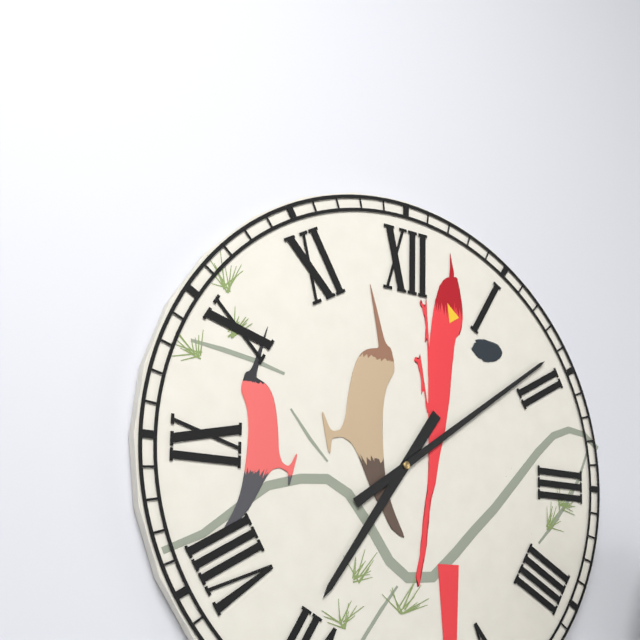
7:09
